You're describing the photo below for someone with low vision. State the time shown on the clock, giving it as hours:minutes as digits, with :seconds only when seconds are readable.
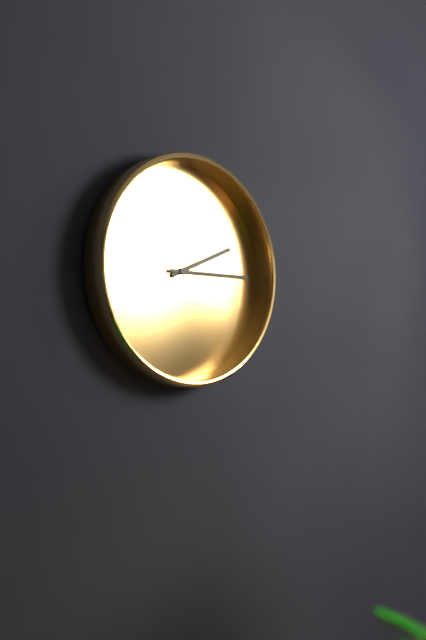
2:15
